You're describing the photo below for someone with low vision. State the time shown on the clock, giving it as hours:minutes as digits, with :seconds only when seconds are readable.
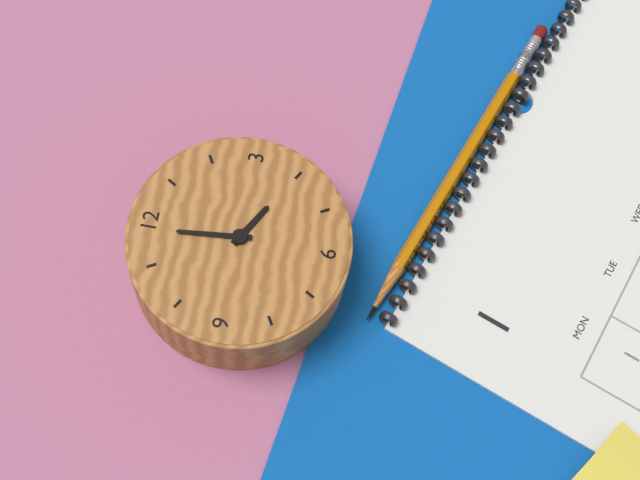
3:59
